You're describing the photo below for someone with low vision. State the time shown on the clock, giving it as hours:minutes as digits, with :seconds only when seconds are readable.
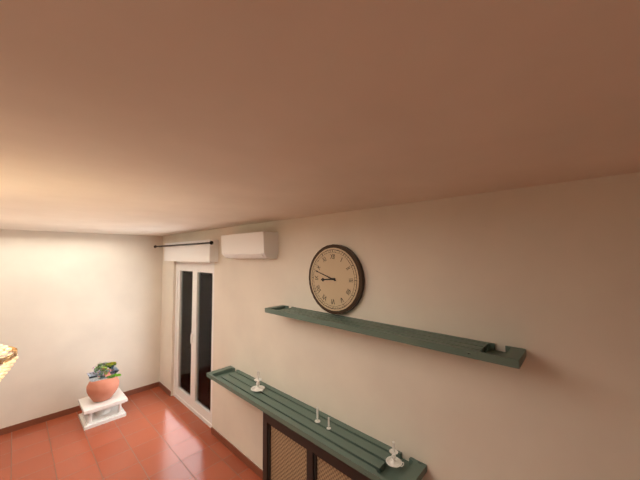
8:48
